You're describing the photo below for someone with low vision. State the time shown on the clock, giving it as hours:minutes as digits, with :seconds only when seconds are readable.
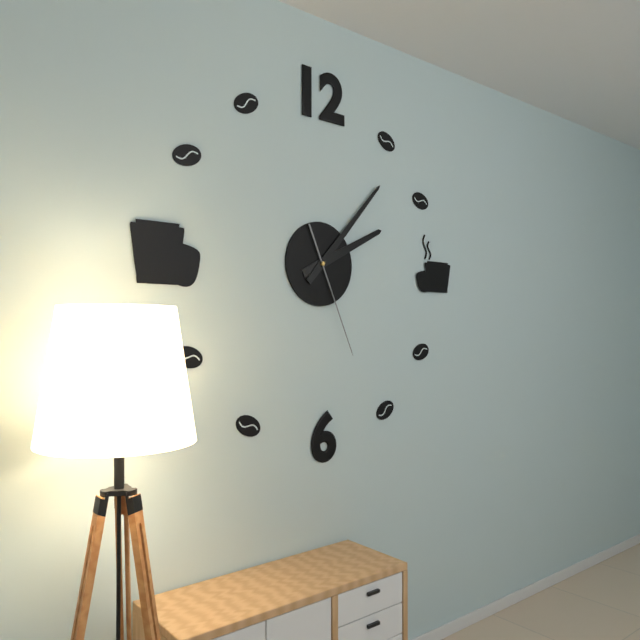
2:07:26
